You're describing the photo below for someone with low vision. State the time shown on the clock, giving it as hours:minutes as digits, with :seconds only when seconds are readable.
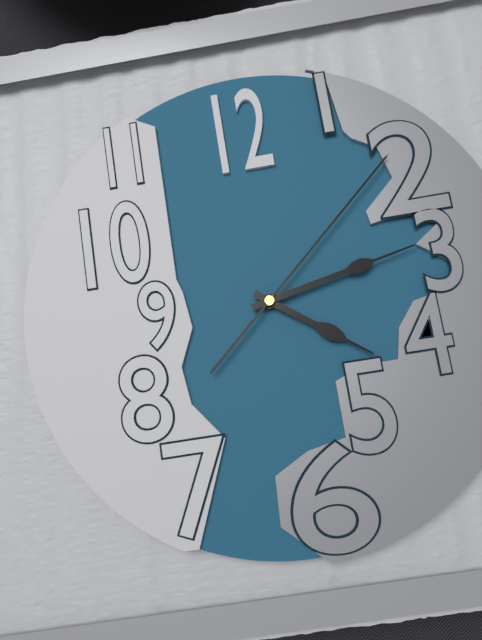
4:13:08
